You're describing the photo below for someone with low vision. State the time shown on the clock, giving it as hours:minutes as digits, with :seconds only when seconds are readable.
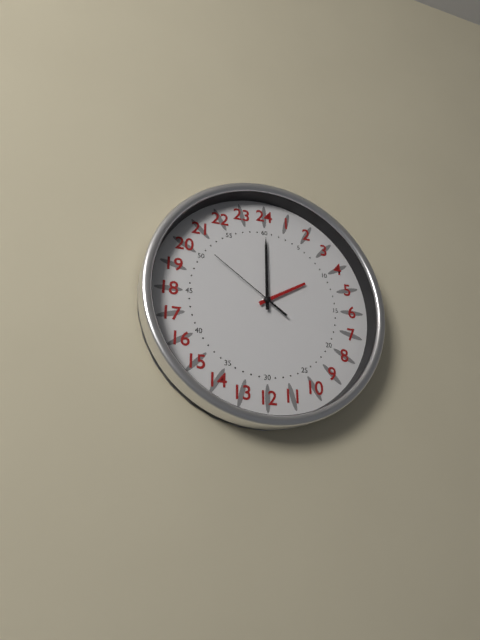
2:00:51
